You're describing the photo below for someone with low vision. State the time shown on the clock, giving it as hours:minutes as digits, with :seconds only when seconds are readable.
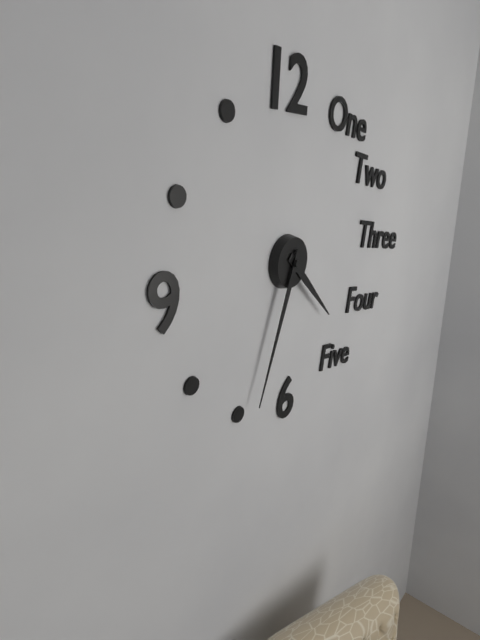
4:34
